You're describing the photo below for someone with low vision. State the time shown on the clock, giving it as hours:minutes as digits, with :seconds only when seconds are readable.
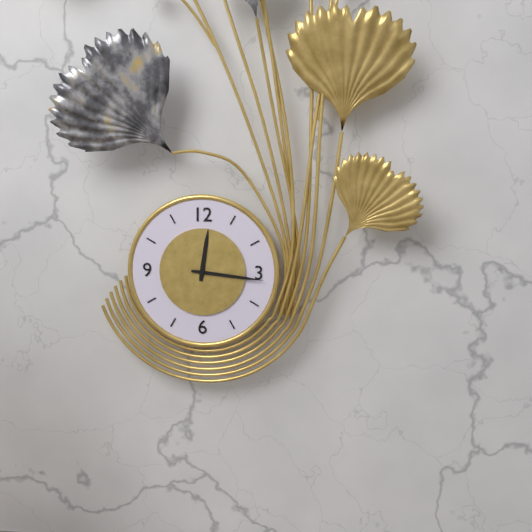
12:16
